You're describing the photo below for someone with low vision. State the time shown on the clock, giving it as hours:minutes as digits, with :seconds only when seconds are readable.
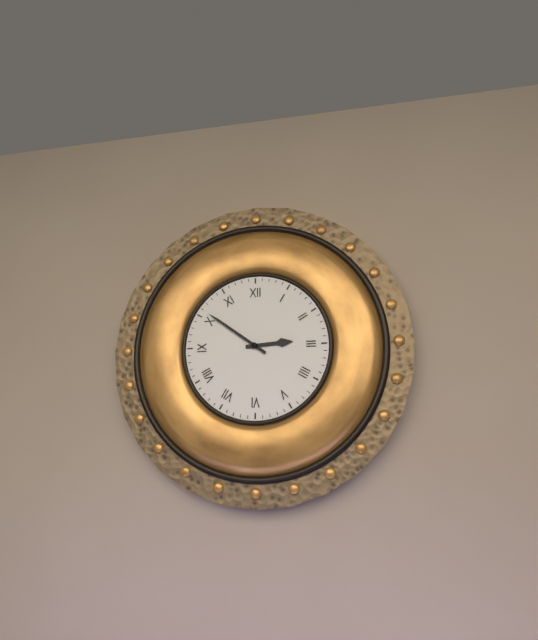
2:51
